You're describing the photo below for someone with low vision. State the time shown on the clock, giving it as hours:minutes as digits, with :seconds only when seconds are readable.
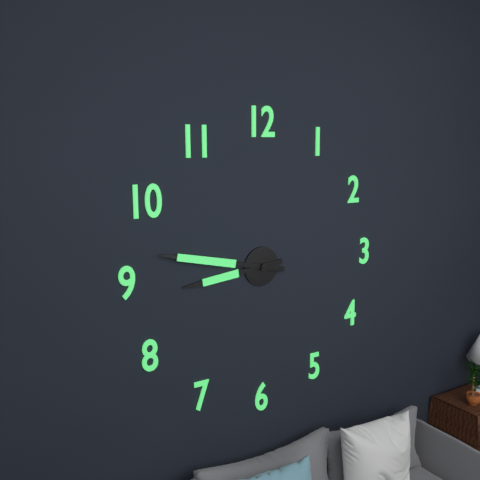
8:47
